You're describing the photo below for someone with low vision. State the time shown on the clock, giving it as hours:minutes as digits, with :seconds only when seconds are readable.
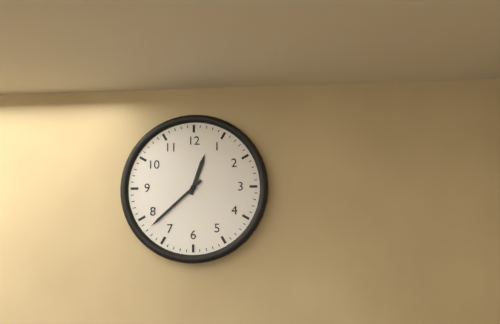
12:38
